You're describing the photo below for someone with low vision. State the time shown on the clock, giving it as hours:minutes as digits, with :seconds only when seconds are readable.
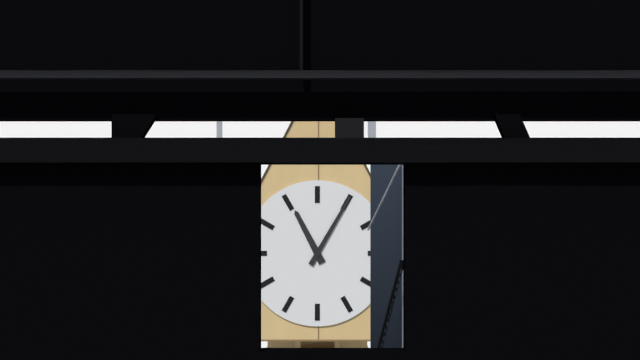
11:05
